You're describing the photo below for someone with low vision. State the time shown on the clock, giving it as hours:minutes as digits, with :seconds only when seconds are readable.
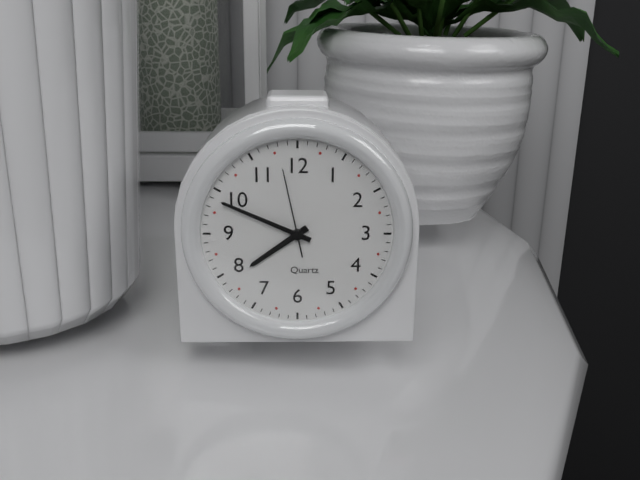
7:49:58
